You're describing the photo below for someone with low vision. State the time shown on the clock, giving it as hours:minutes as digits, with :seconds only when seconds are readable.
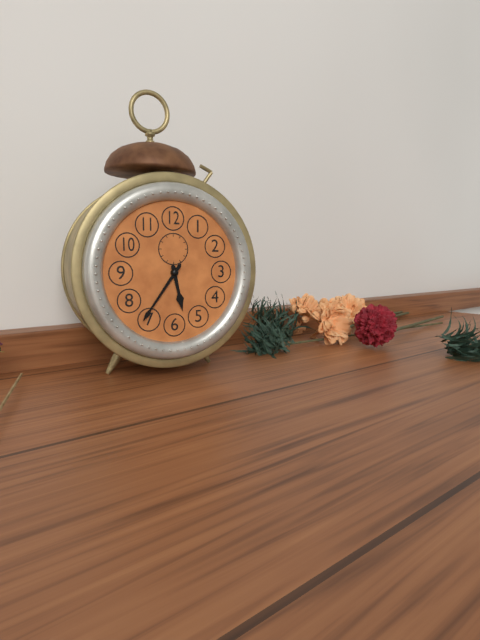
5:36
